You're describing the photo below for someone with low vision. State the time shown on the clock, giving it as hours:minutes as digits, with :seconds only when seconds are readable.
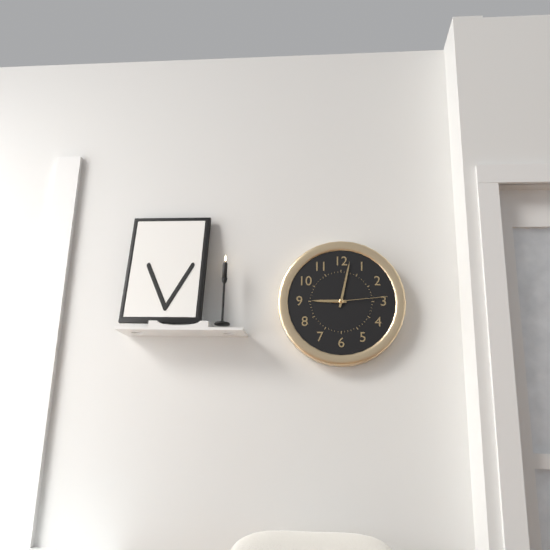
9:02:14
